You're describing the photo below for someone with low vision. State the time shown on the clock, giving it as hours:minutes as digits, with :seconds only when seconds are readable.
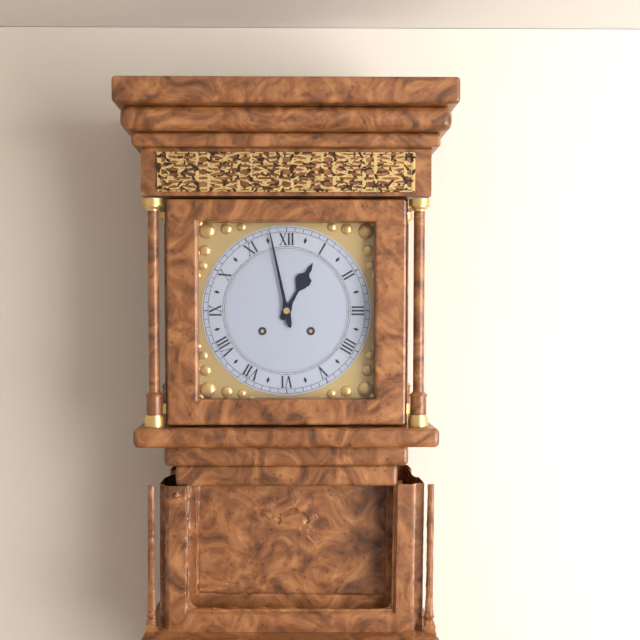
12:58
